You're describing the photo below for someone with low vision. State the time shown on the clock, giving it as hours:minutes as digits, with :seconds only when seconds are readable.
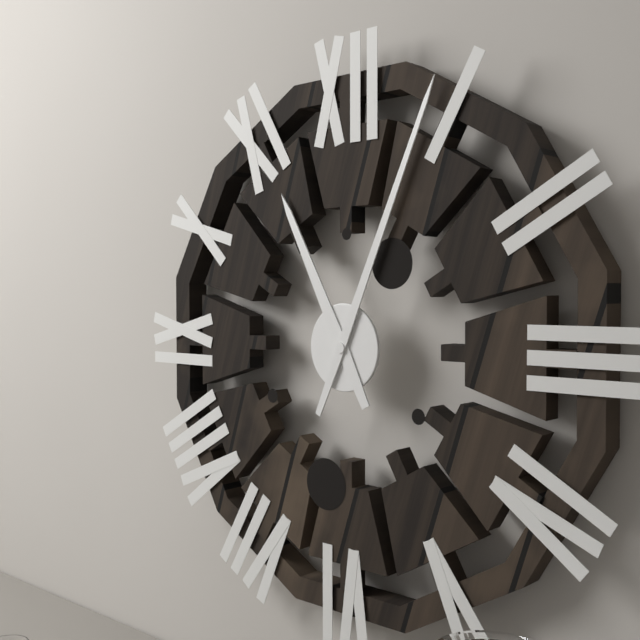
11:04
